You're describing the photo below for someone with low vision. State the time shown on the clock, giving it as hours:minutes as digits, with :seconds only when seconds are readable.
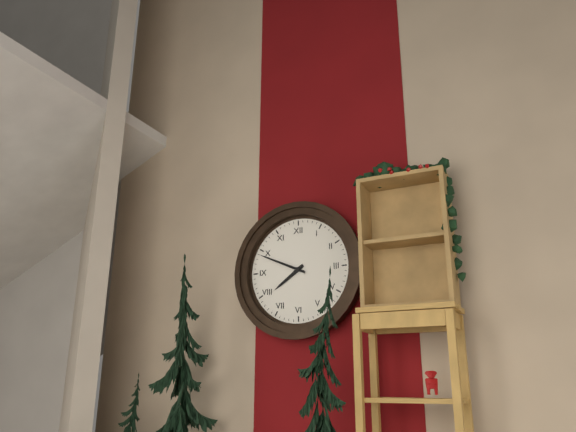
7:49
